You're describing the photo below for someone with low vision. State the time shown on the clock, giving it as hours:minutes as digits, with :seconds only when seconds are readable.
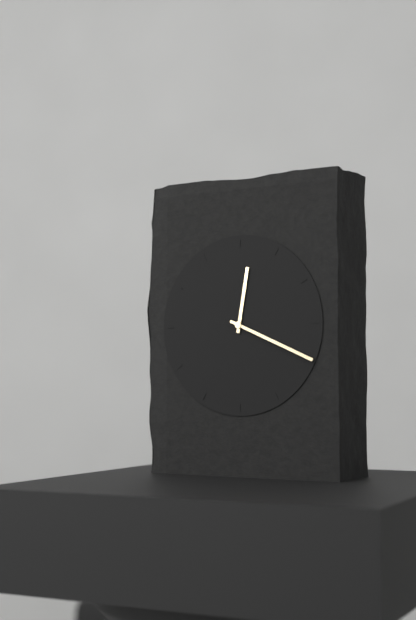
12:19
